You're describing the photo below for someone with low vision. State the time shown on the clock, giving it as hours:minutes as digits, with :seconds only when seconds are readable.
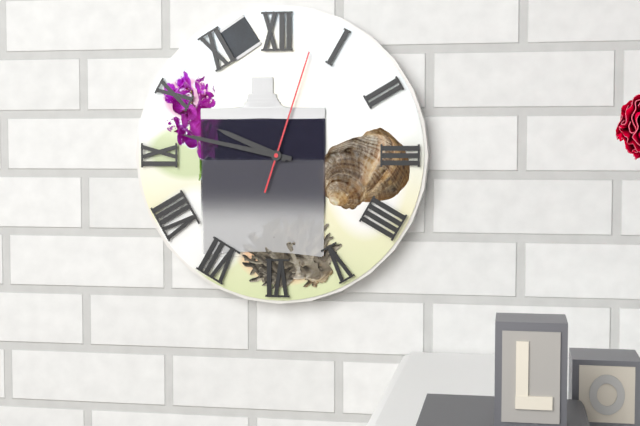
9:47:03
